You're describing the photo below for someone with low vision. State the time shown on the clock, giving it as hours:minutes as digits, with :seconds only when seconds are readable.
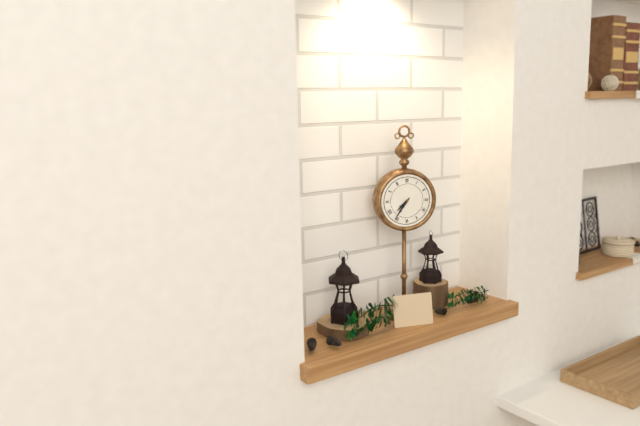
7:36
